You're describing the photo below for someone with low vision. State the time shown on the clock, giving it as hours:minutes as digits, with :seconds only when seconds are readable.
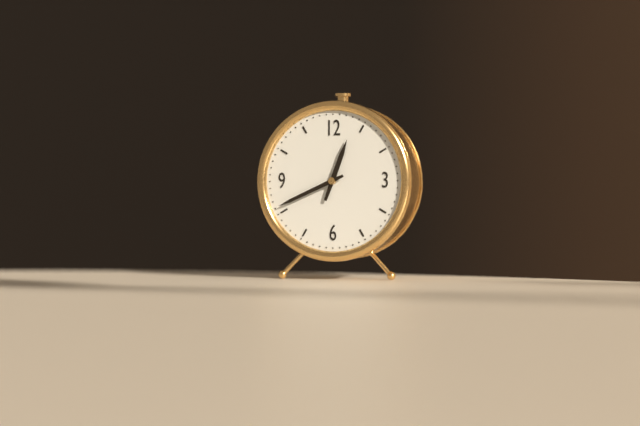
12:41
